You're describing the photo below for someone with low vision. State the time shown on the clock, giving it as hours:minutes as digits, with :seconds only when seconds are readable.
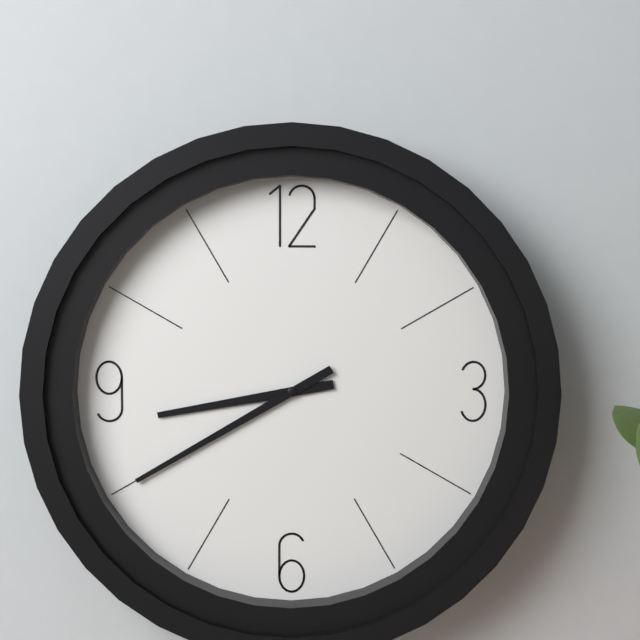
8:40
